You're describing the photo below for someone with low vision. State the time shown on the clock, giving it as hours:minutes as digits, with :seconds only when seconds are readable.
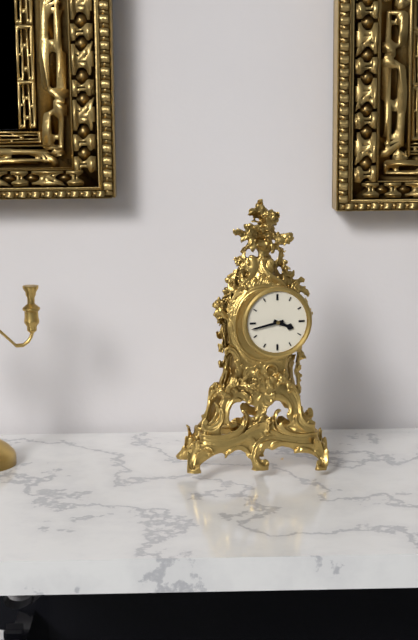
3:43
